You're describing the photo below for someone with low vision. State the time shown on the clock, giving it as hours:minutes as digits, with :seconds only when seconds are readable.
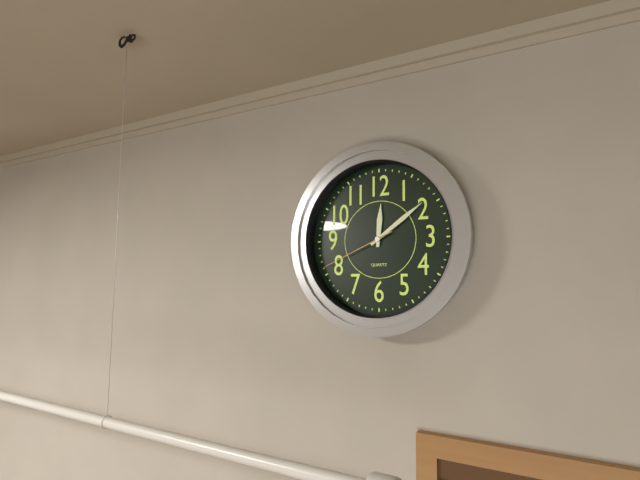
12:09:41
